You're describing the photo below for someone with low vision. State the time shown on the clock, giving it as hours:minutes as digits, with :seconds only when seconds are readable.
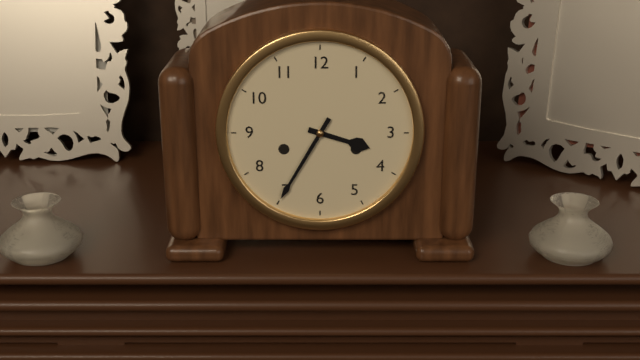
3:35
